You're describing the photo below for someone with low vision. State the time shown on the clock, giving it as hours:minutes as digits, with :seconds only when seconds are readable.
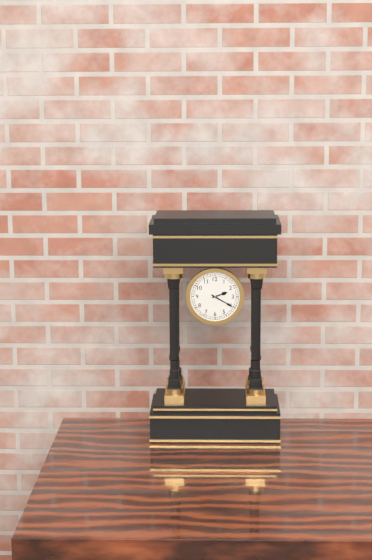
2:20
